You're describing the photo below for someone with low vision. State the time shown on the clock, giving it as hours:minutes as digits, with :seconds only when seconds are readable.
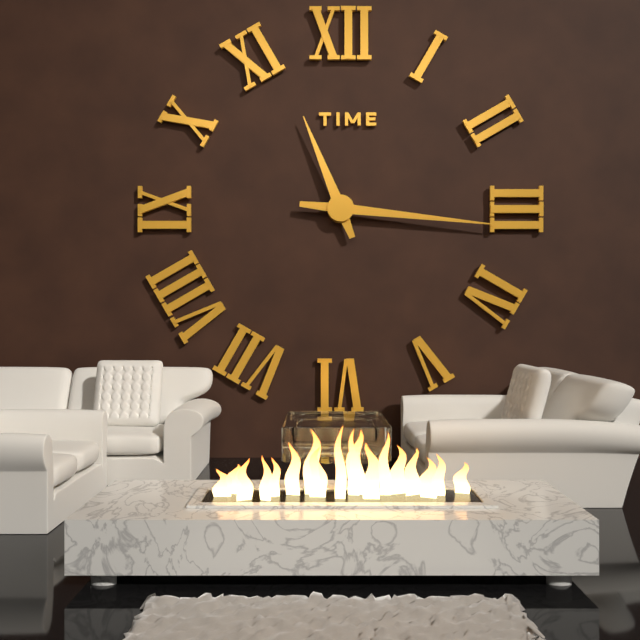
11:16
